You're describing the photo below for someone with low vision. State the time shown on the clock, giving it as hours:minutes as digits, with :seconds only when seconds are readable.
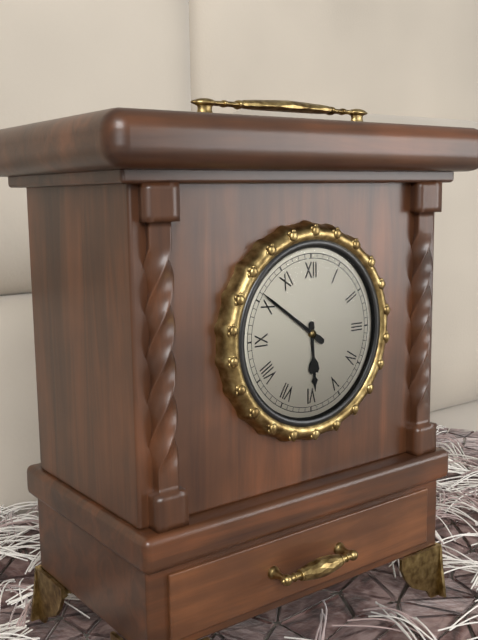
5:51
